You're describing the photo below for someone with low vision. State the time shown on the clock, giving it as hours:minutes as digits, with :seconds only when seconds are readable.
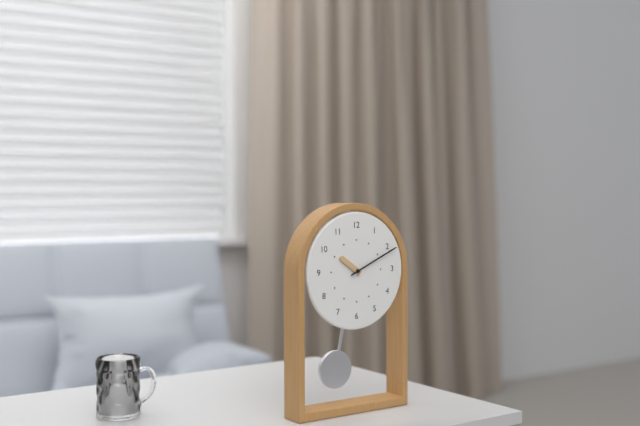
10:11
